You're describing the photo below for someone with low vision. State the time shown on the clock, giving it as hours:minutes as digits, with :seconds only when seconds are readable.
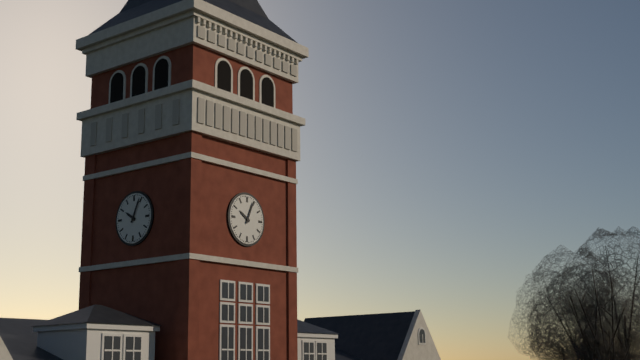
10:04
